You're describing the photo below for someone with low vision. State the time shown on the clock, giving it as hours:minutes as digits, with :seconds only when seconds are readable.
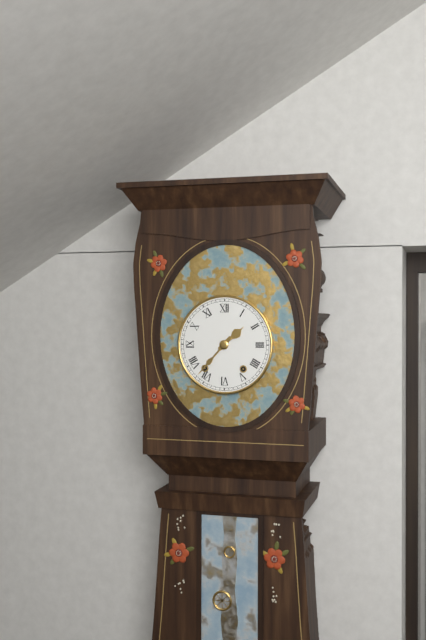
1:37
